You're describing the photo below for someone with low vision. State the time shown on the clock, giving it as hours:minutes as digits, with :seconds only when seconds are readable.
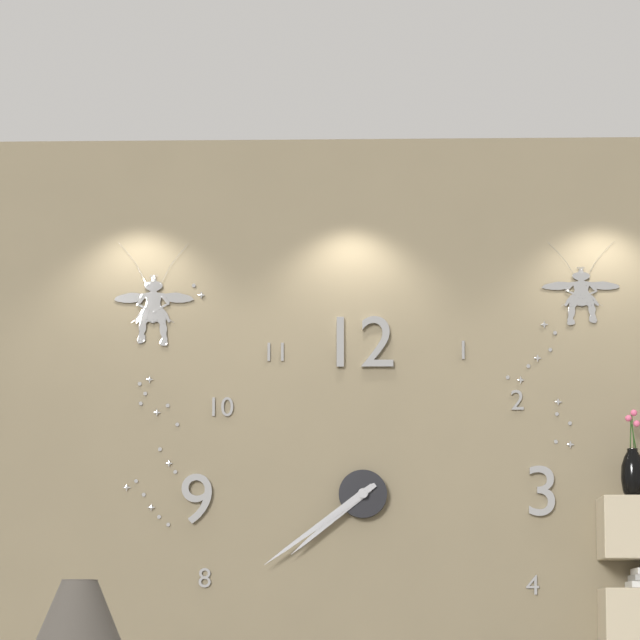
7:39
